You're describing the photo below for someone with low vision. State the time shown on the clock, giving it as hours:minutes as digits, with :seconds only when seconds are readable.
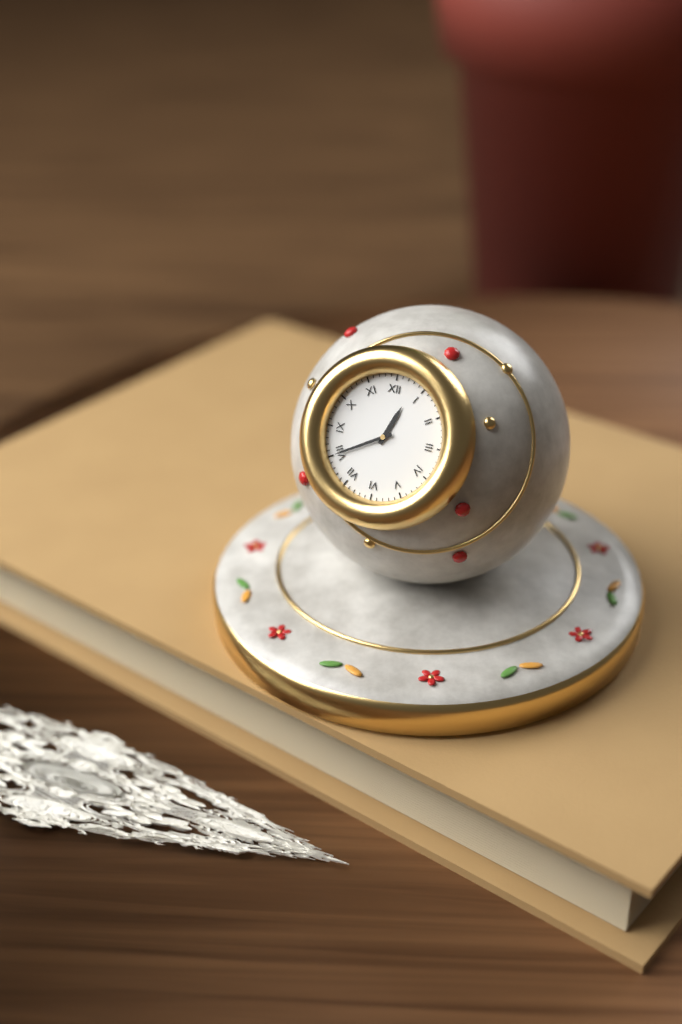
12:40
